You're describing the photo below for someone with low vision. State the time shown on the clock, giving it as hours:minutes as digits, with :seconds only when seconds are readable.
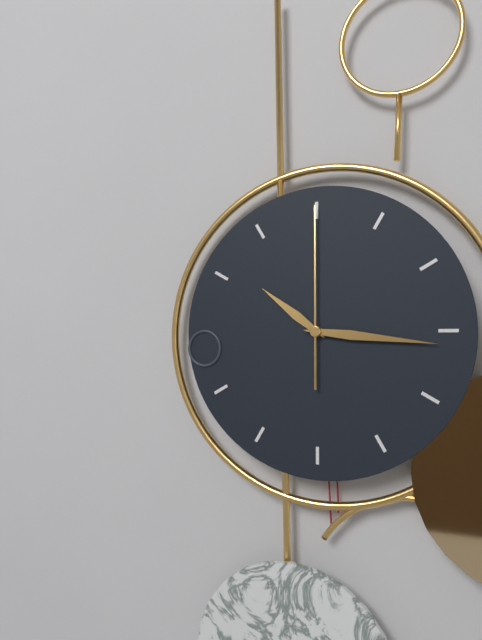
10:16:00
